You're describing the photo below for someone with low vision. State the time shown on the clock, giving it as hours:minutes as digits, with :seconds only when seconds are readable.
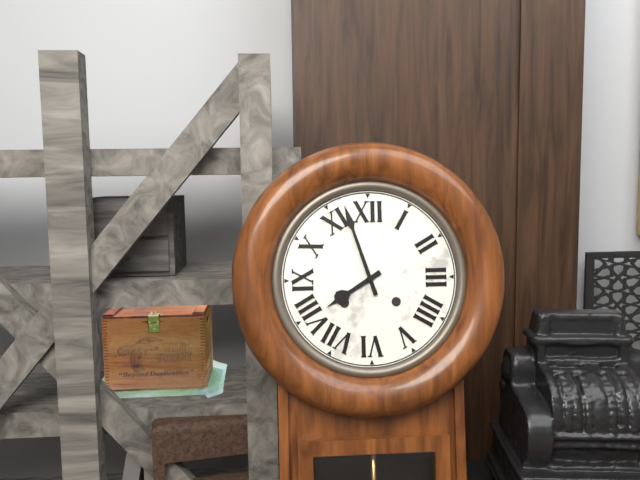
7:57
